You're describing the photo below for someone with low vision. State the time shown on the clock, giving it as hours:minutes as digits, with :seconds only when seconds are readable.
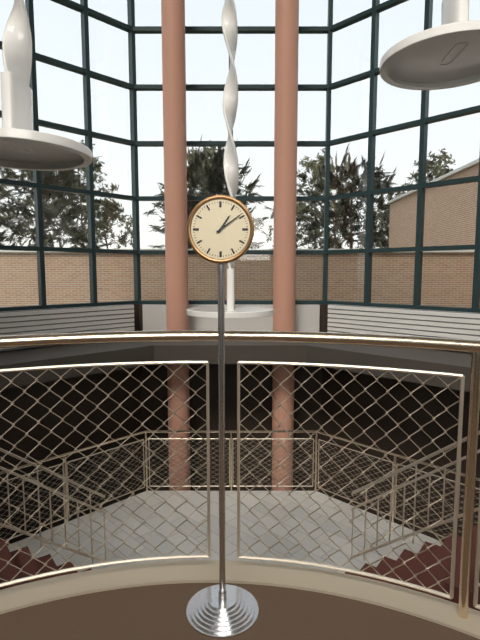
1:09
